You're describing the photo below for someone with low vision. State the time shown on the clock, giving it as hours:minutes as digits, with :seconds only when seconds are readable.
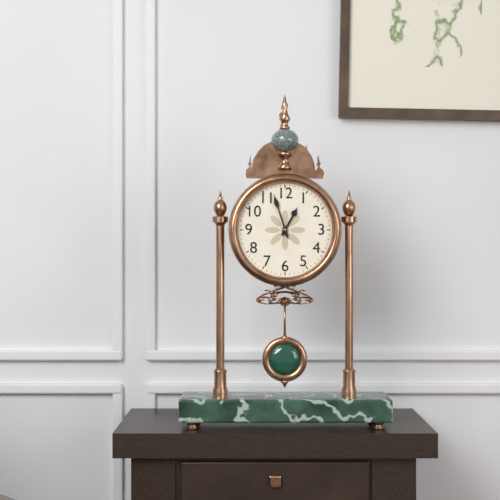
12:57
